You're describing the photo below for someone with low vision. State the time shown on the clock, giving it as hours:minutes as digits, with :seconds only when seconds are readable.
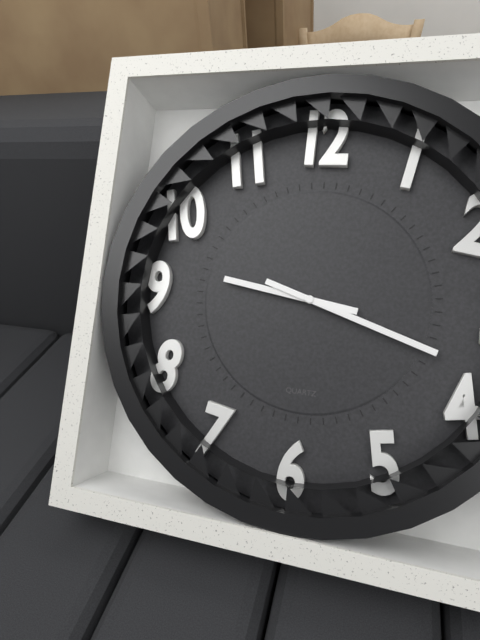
9:18
